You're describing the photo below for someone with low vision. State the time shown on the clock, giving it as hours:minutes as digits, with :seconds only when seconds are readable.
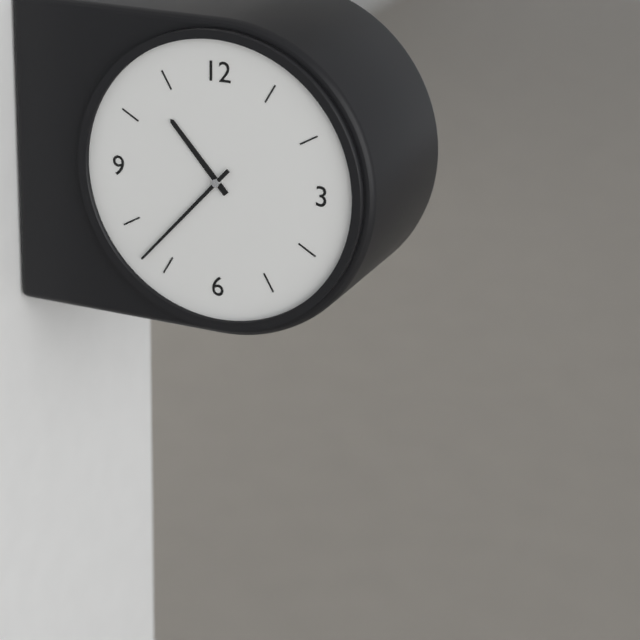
10:37
